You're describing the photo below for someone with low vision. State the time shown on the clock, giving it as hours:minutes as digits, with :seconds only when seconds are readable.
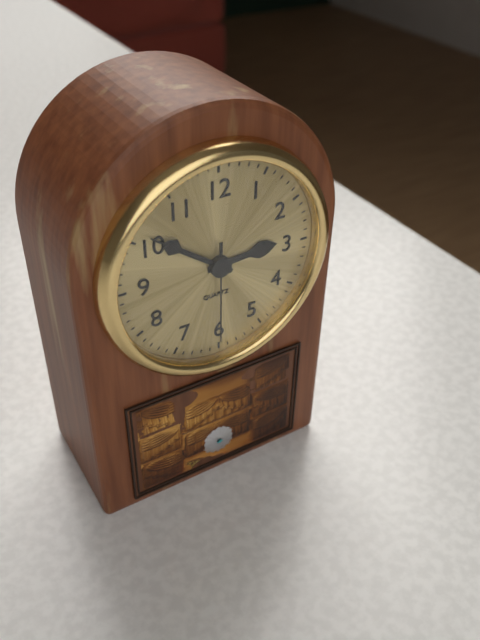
2:51:30
